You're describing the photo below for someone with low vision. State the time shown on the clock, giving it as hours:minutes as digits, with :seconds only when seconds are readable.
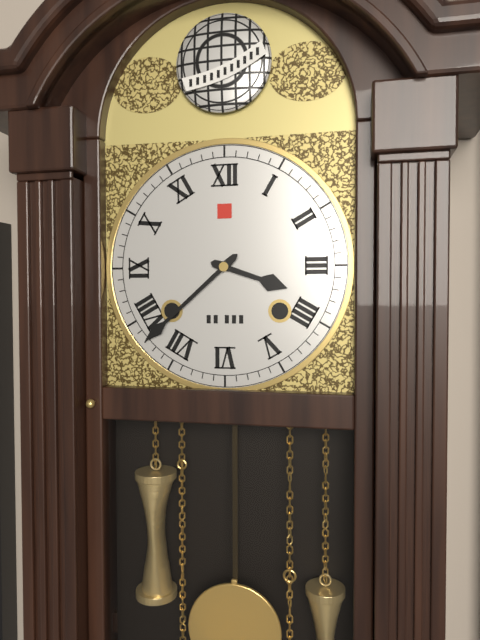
3:38
